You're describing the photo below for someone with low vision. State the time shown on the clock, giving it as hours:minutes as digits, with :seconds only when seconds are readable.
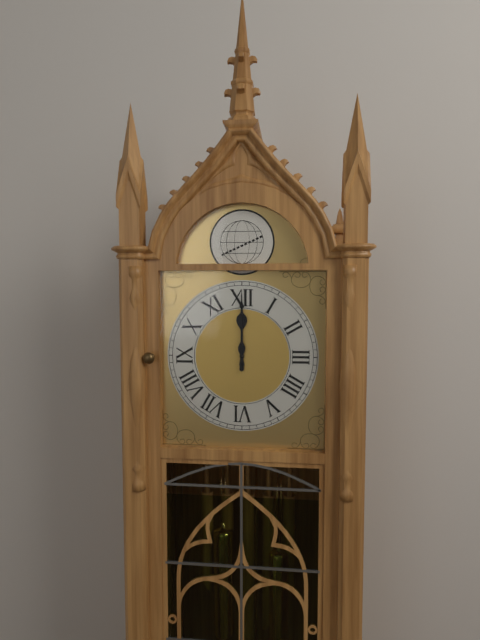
12:00
